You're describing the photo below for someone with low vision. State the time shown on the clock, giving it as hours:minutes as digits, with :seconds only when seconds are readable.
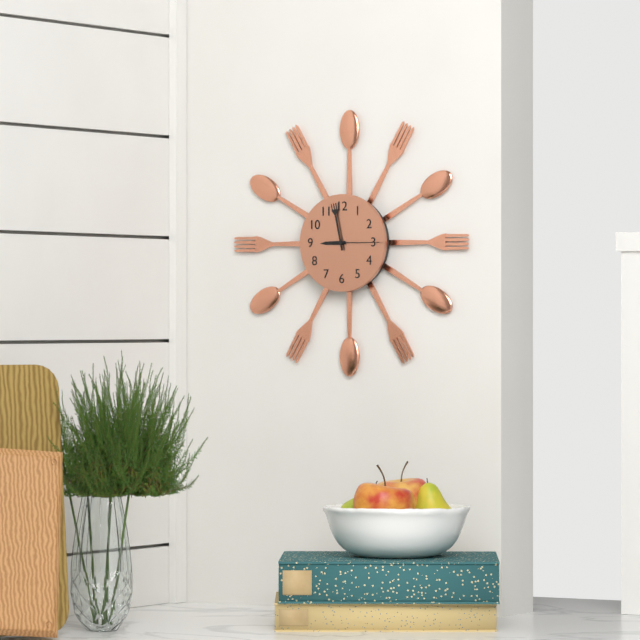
8:58
